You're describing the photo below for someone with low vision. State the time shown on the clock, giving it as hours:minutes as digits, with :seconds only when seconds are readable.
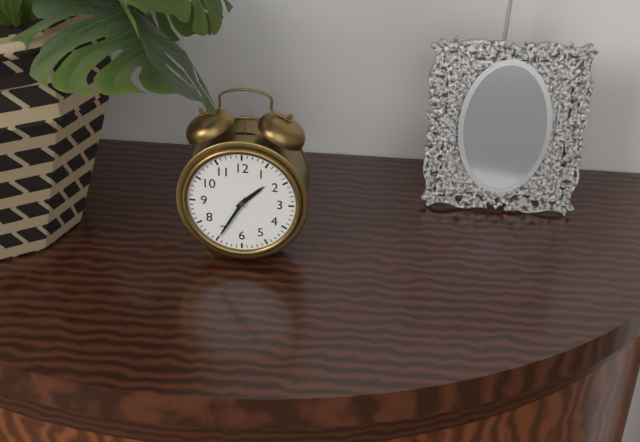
1:35
